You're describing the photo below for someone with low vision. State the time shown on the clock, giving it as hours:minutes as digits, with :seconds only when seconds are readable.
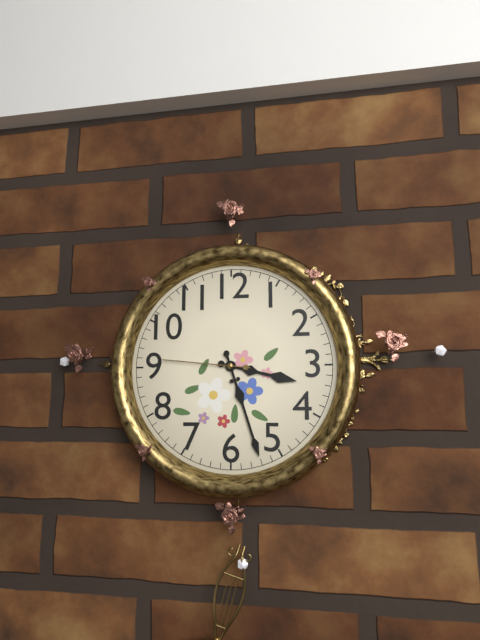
3:27:46
